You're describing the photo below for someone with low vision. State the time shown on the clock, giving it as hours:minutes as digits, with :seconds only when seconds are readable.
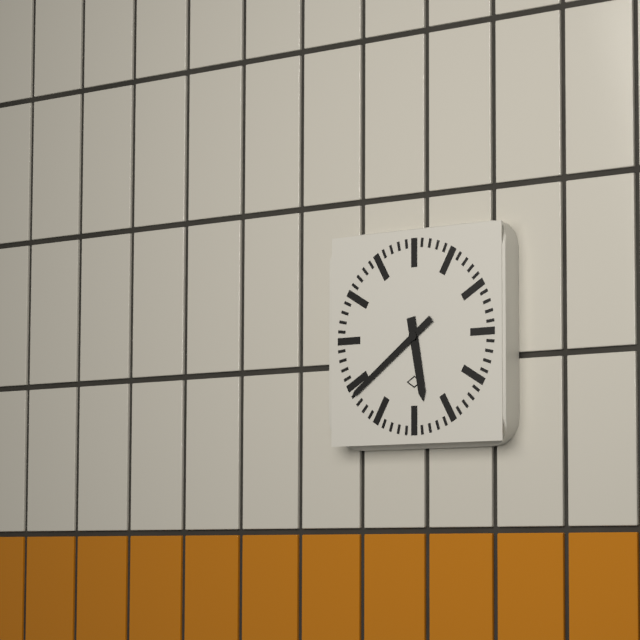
5:39
